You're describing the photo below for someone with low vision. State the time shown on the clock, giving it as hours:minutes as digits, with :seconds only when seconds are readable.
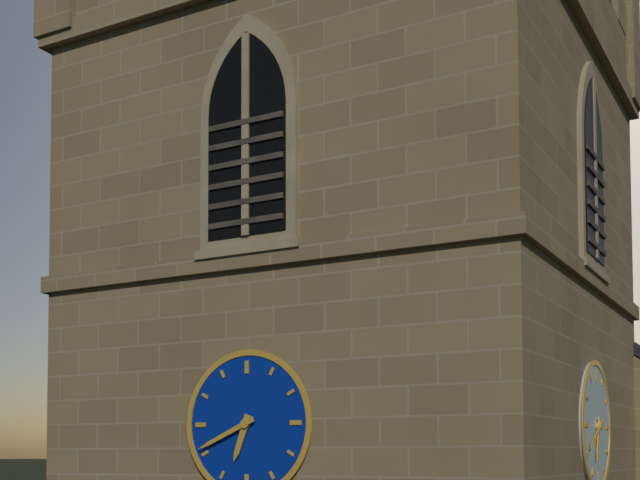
6:41
